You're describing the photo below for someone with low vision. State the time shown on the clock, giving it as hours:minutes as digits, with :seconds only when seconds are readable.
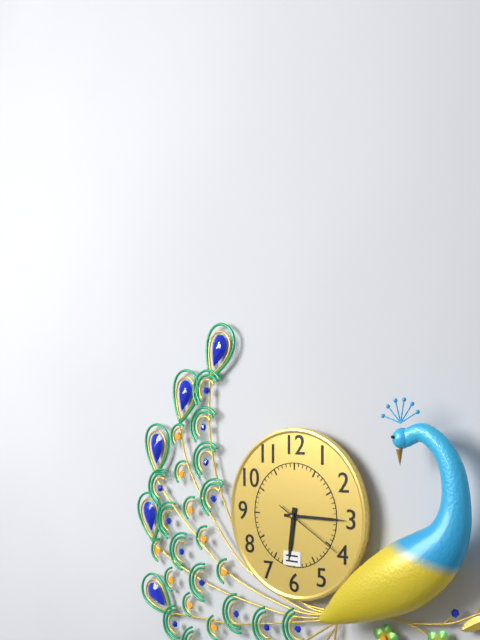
6:15:20
